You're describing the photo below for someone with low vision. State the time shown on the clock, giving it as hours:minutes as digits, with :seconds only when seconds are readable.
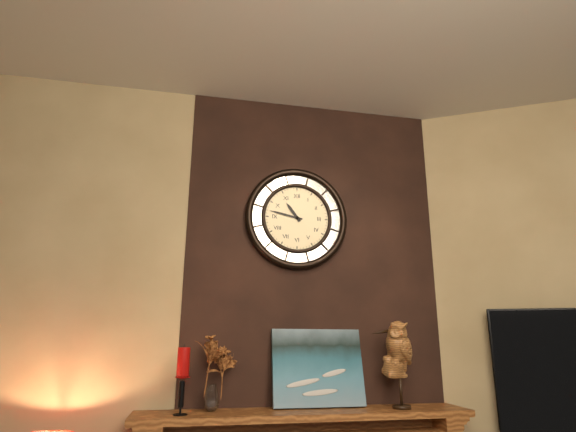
10:47
